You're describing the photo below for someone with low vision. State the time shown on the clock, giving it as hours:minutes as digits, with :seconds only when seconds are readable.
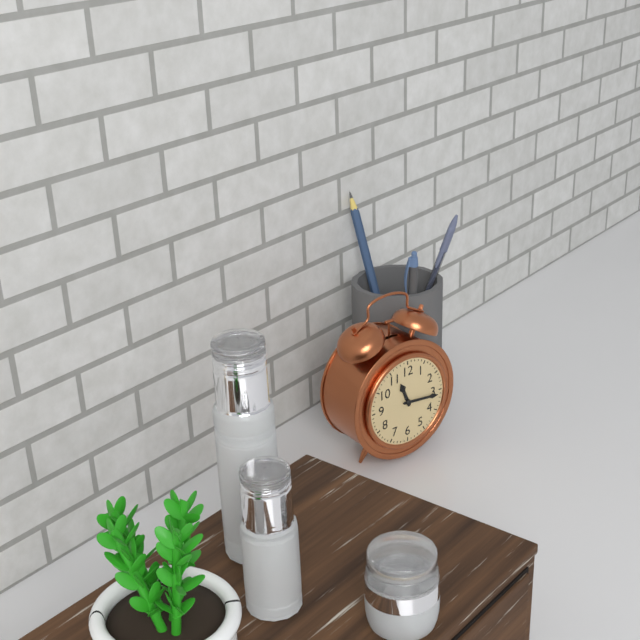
11:16
